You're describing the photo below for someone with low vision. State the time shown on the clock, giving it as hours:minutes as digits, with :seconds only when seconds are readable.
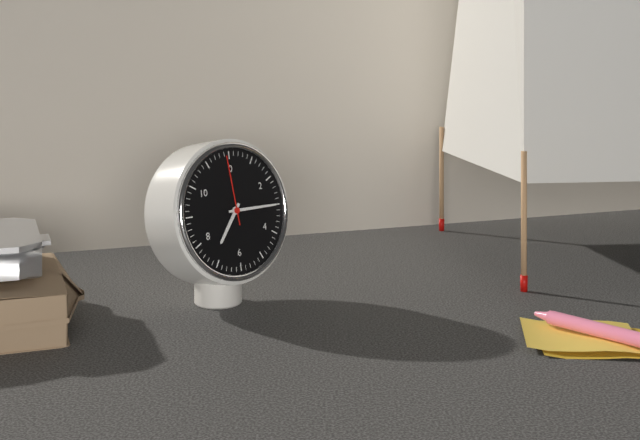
7:15:59
